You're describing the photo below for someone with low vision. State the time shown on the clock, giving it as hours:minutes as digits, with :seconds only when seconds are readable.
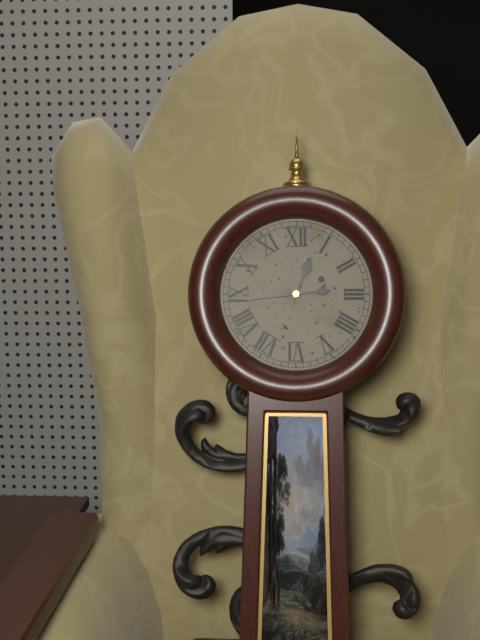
12:44
